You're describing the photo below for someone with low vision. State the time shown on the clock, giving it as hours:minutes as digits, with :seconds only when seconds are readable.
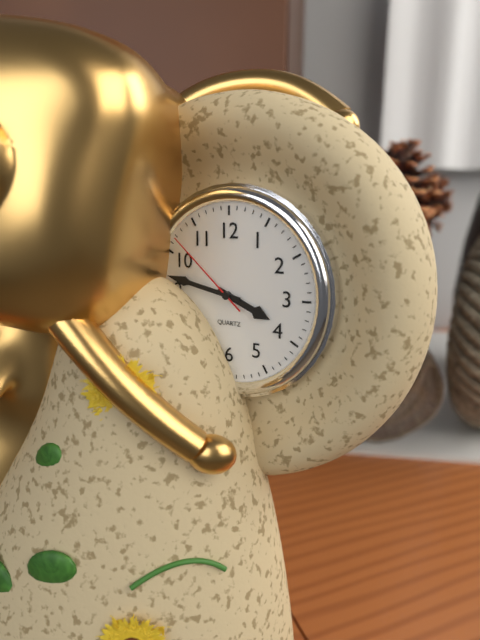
3:47:52
